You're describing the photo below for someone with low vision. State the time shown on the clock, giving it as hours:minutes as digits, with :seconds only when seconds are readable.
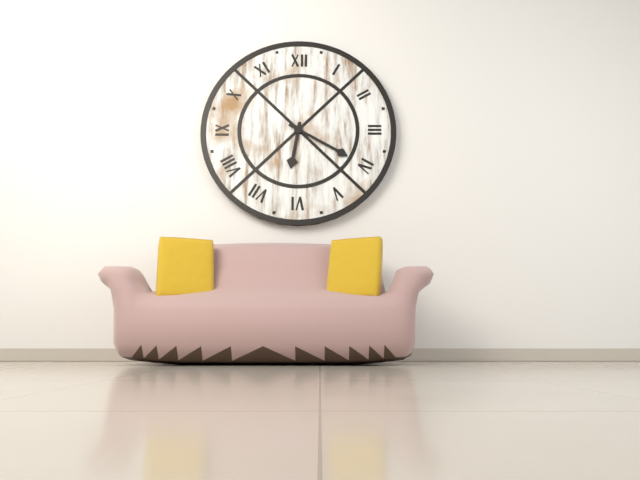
6:20
